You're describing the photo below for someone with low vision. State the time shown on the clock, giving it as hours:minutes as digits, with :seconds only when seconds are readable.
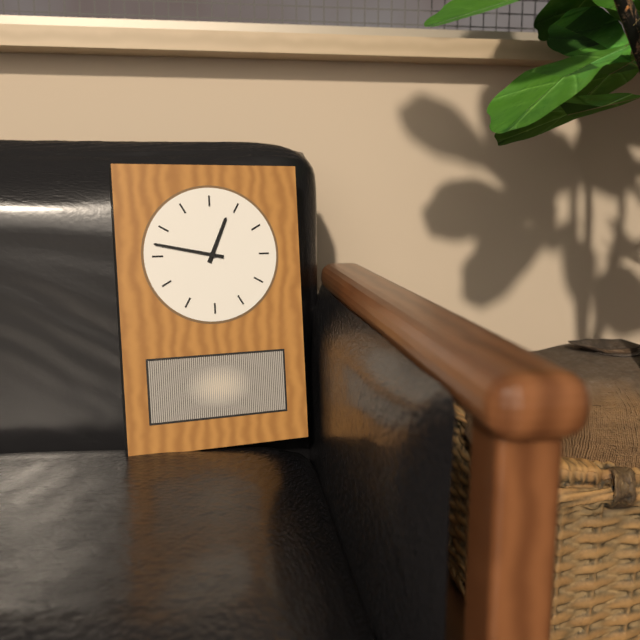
12:47
